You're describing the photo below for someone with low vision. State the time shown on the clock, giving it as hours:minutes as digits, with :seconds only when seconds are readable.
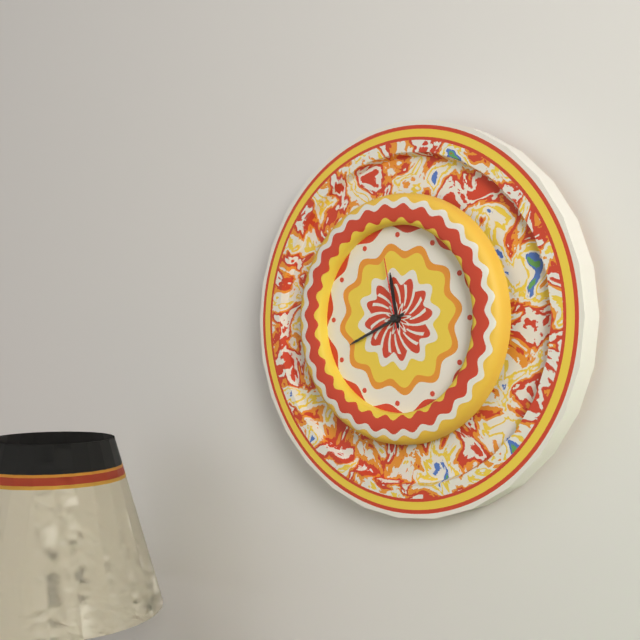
11:41:58
